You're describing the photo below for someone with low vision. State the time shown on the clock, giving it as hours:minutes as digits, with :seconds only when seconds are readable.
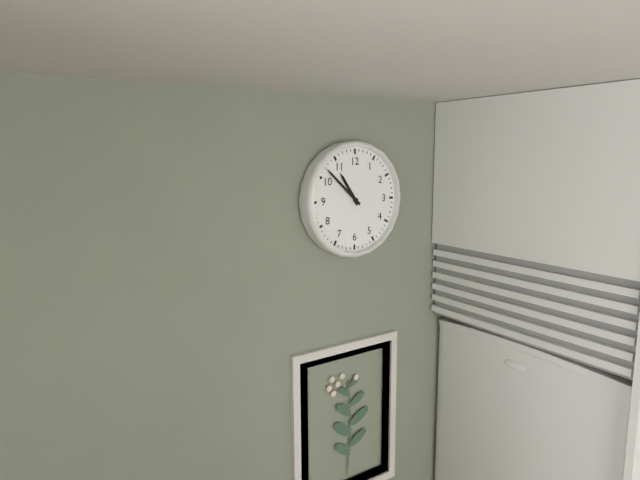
10:52
